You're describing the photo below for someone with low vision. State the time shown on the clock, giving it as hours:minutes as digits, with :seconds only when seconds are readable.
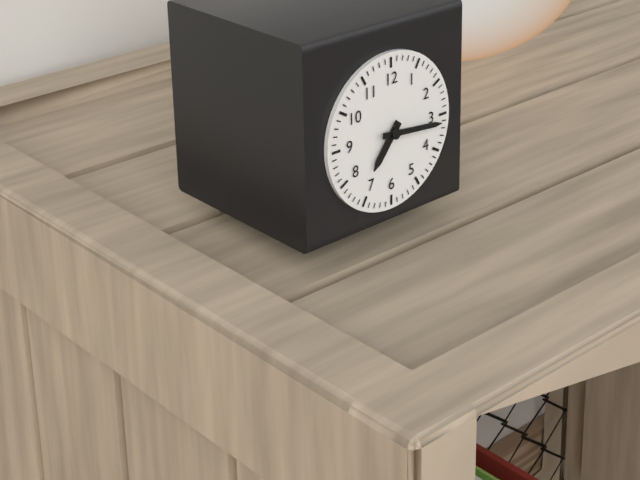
7:16
